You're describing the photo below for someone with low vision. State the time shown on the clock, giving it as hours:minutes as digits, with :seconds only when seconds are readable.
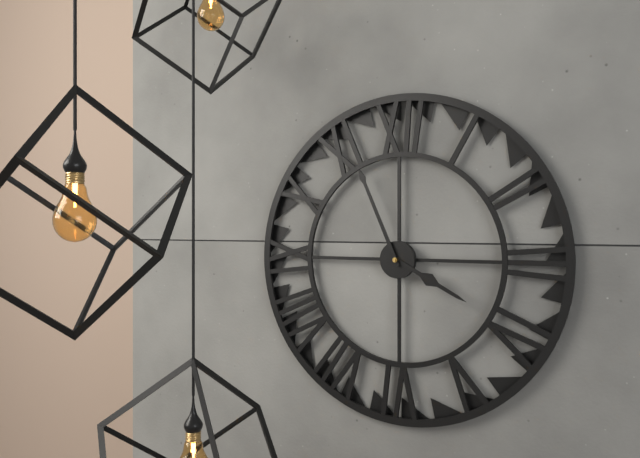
3:56
